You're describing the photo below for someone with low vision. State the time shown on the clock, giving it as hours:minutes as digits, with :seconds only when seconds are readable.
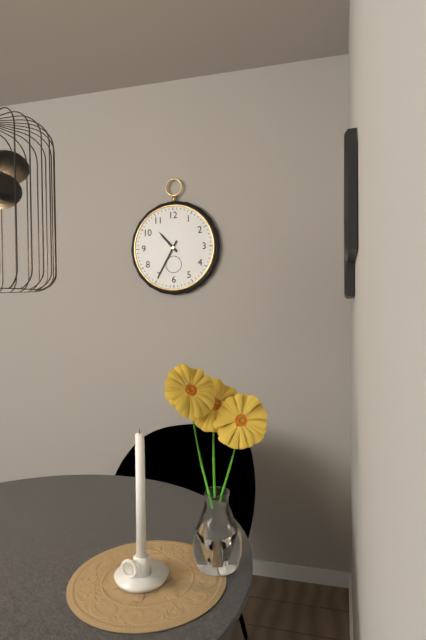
10:35
